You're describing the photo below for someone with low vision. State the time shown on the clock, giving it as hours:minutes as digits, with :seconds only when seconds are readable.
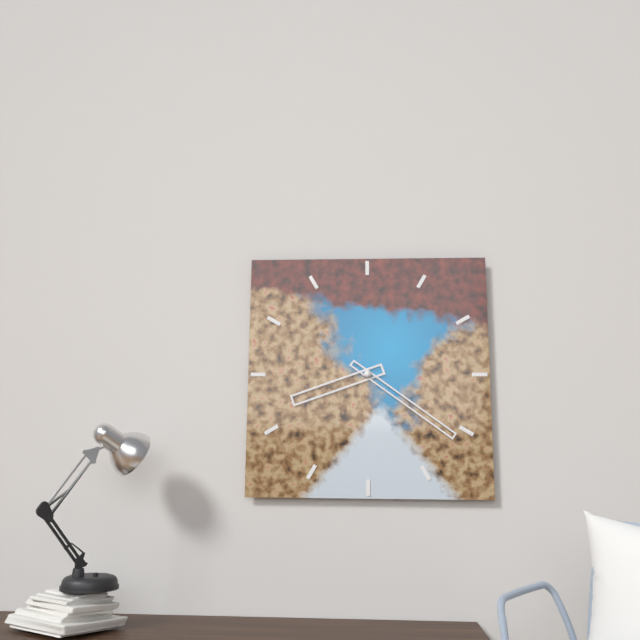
8:21
